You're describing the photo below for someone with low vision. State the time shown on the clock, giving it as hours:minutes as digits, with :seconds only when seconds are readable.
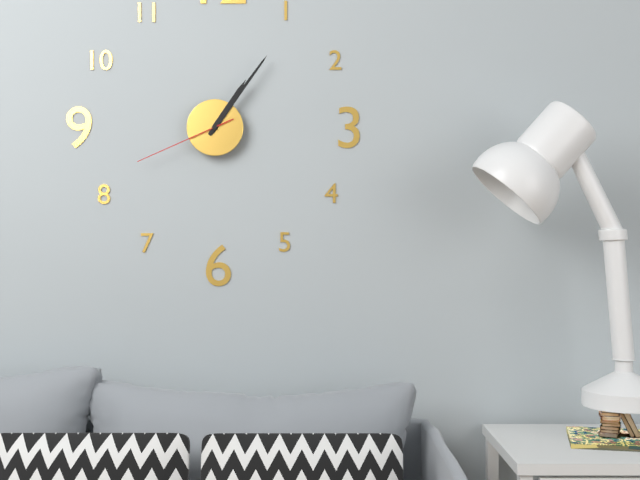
1:06:41
